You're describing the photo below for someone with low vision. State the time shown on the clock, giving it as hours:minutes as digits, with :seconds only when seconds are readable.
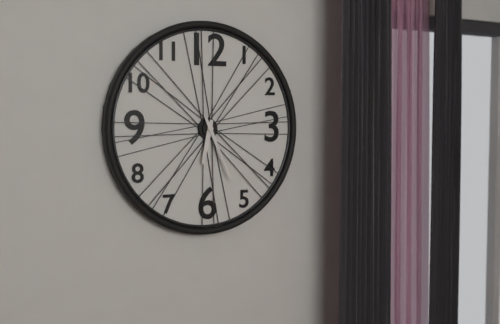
6:26
